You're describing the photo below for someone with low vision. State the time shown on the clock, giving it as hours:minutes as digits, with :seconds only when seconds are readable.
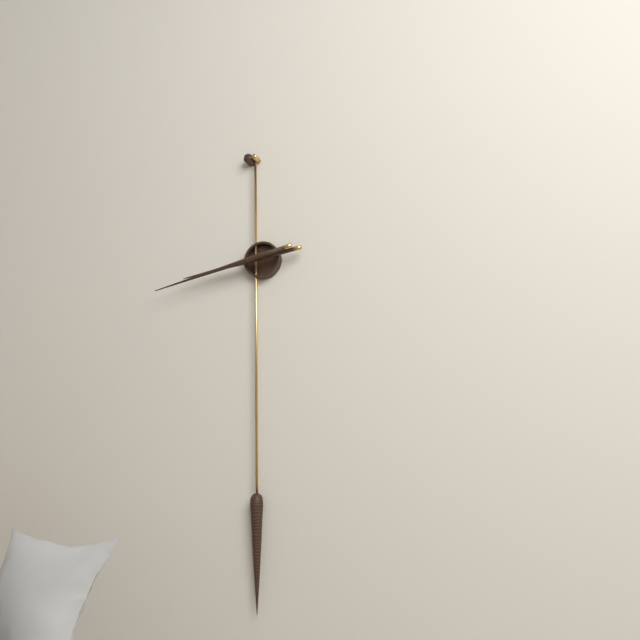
8:43
